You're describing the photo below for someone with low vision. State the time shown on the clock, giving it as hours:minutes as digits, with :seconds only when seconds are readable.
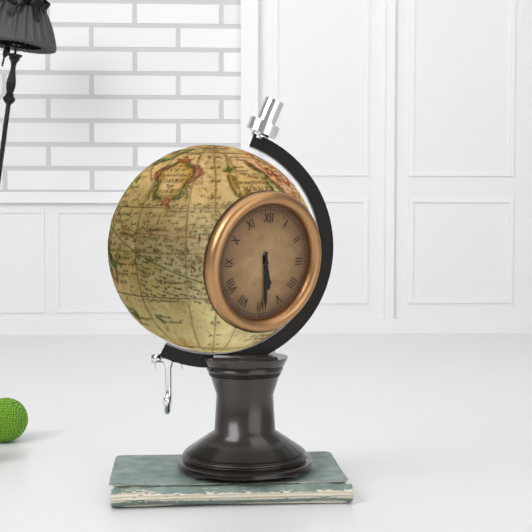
5:29
